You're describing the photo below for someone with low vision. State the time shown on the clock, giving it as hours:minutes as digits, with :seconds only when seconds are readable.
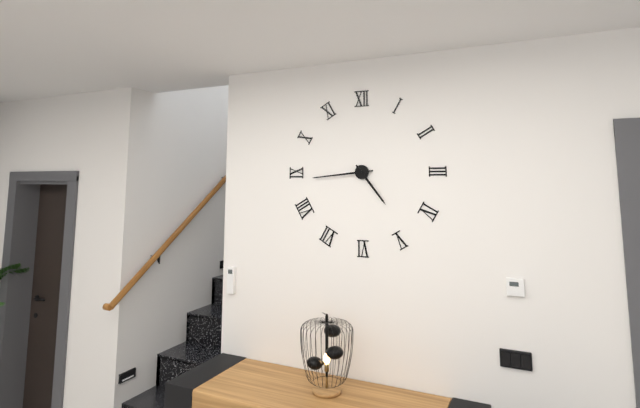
4:44
